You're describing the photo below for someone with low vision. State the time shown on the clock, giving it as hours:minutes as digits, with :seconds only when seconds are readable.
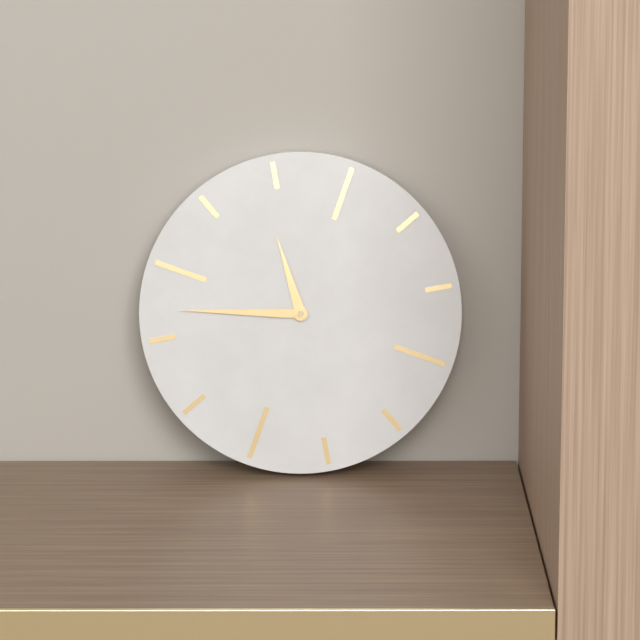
11:47
